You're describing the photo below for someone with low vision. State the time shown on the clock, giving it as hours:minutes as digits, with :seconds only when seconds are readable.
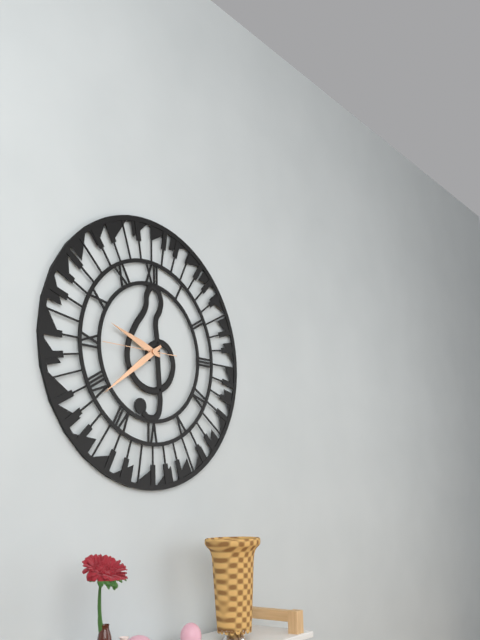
9:39:45
